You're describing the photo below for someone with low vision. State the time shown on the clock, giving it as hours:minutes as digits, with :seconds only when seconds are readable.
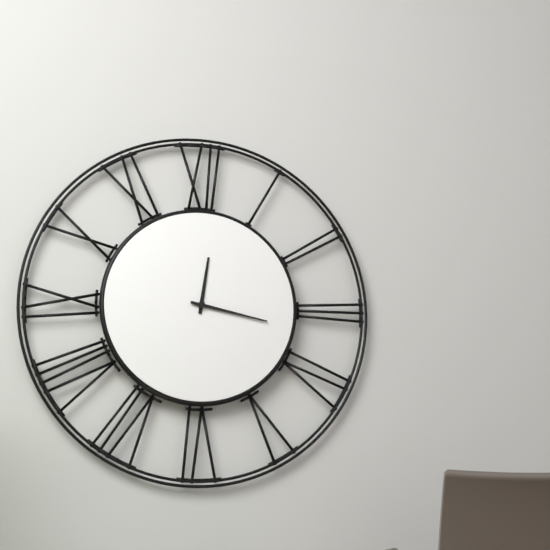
12:17
